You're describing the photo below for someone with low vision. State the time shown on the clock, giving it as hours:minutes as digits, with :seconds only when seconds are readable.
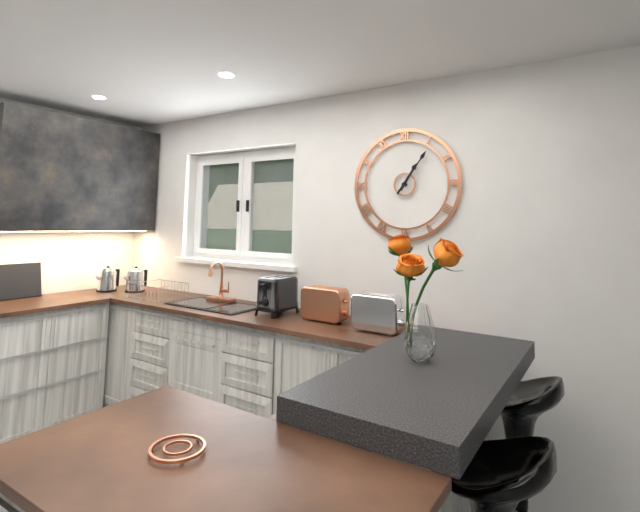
1:06
